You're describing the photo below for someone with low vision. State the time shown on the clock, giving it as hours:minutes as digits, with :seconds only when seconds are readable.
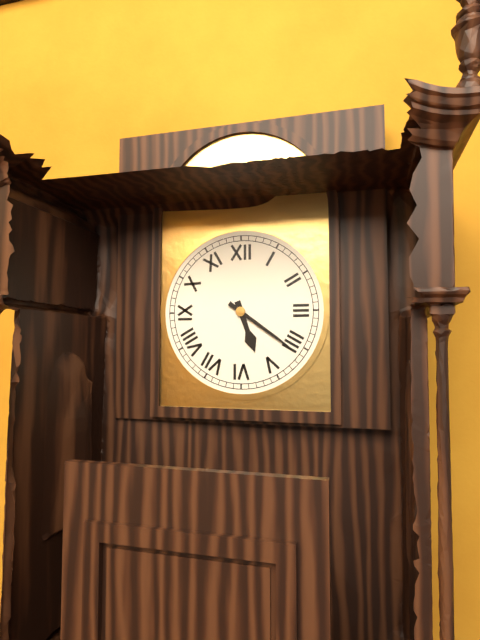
5:21
